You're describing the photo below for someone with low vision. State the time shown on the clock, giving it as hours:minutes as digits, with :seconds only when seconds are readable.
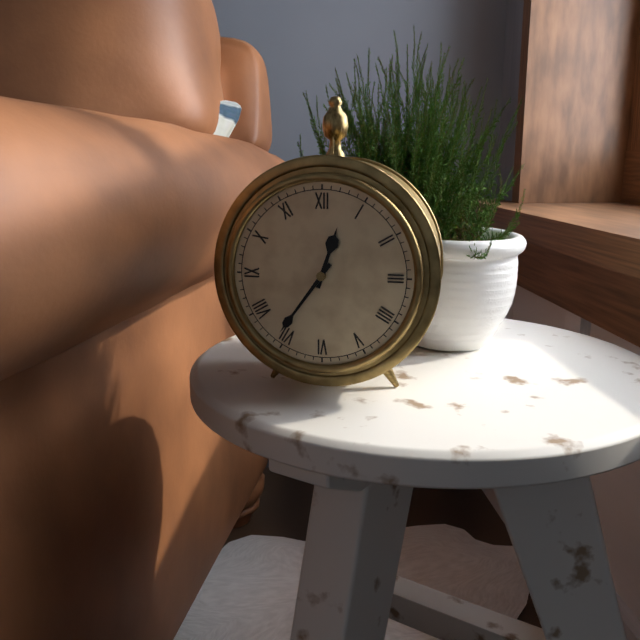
12:36
